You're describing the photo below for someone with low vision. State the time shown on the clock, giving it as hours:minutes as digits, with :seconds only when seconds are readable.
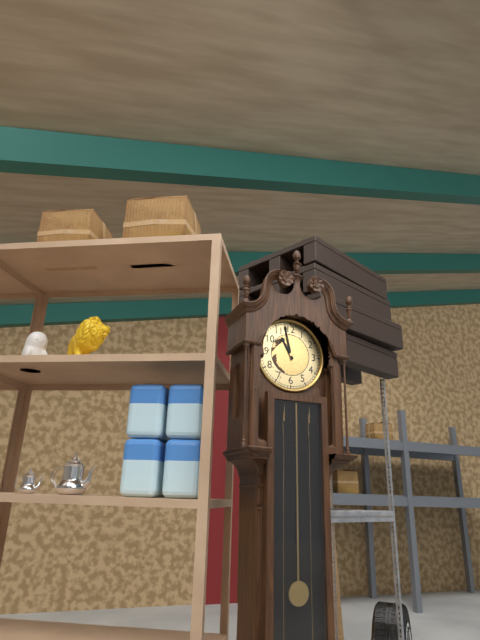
10:58
